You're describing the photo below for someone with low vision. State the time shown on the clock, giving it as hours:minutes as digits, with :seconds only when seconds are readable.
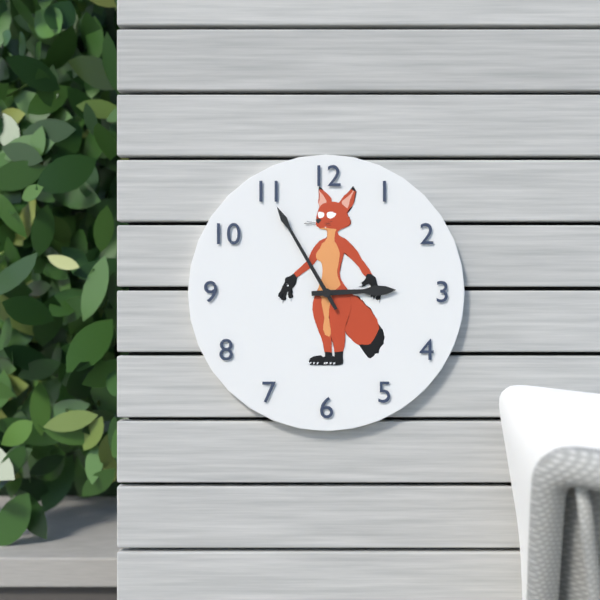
2:55
